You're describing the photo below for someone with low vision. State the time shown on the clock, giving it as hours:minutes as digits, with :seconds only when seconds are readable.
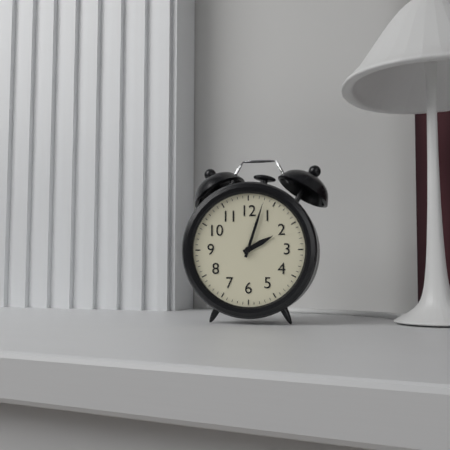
2:03
